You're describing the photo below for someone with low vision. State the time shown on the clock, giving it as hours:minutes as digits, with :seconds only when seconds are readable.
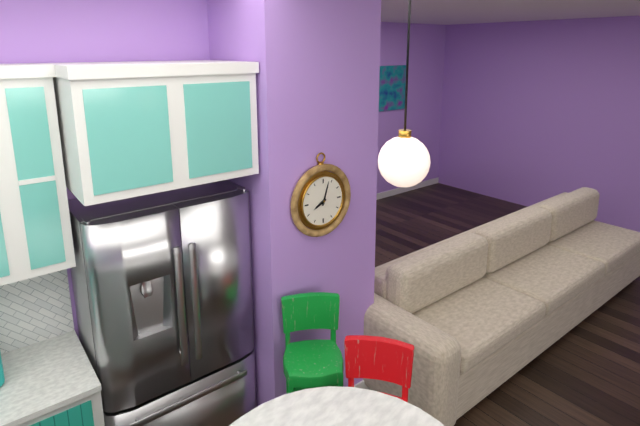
8:03
